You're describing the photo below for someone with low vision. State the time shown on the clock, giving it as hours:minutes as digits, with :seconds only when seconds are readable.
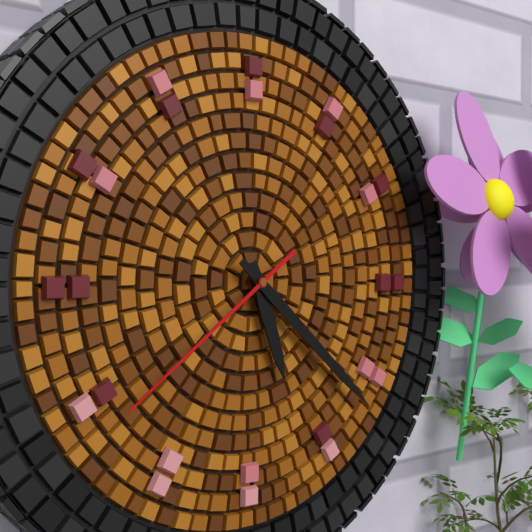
5:22:39
